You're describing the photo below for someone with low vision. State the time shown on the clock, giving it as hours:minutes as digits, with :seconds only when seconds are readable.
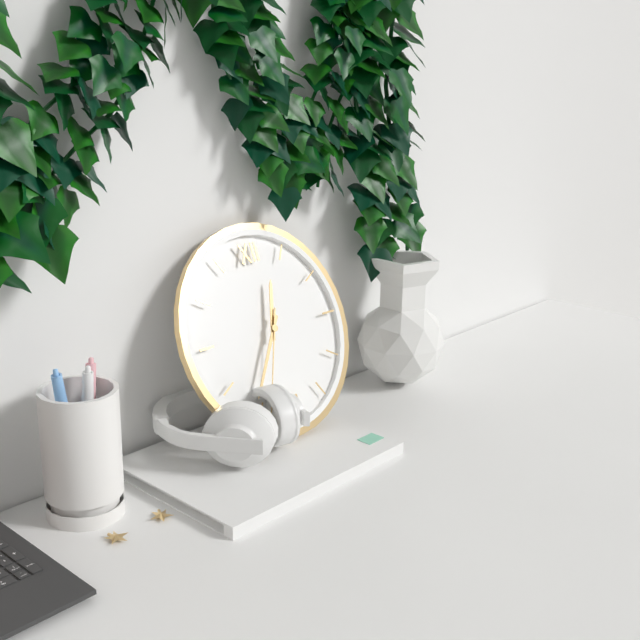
12:36:34
